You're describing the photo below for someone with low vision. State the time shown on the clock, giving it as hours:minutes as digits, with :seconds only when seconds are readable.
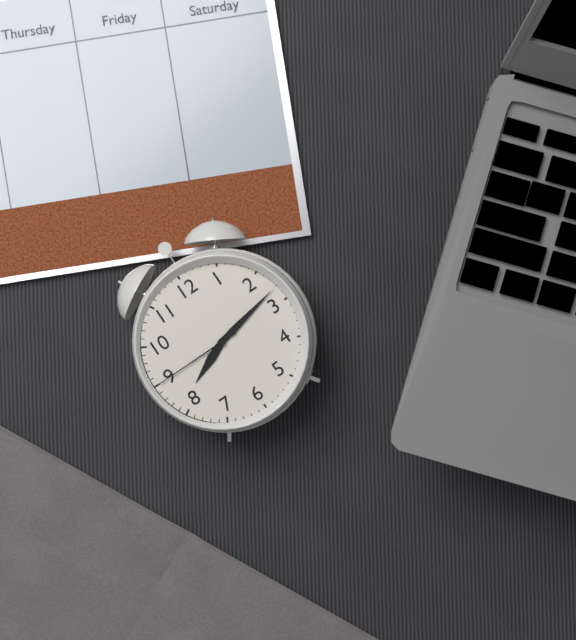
8:13:45
